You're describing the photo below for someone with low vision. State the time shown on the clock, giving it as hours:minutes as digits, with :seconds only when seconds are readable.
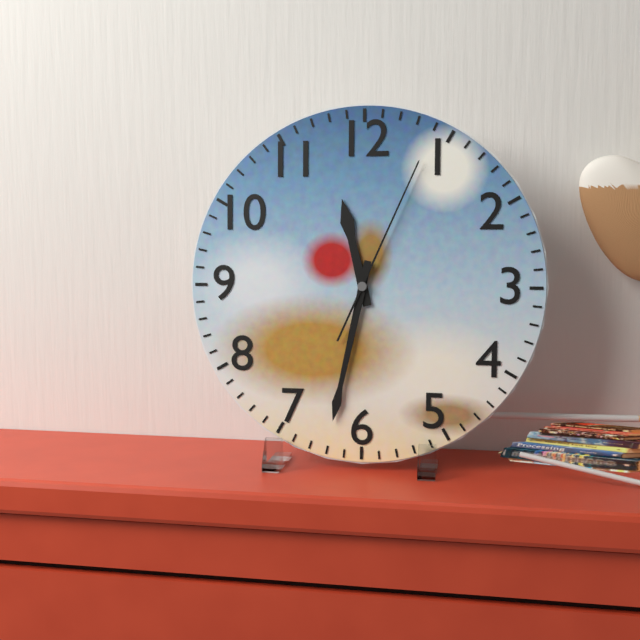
11:32:04
